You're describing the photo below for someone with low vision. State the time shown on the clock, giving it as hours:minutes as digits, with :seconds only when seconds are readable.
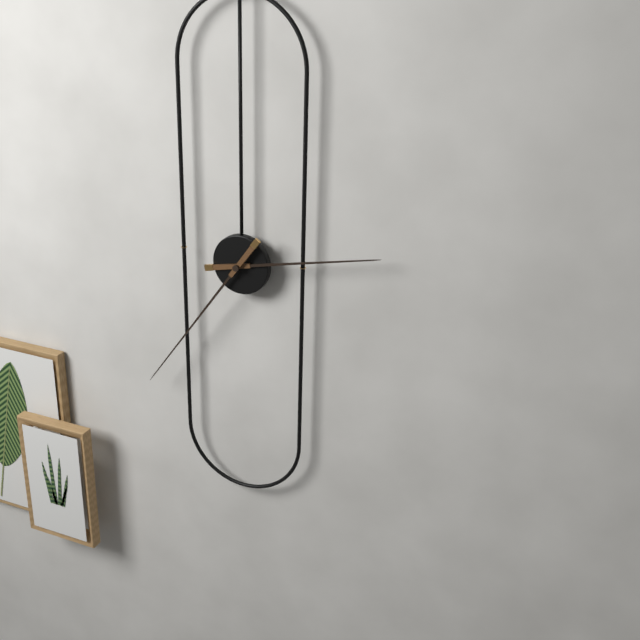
2:36
